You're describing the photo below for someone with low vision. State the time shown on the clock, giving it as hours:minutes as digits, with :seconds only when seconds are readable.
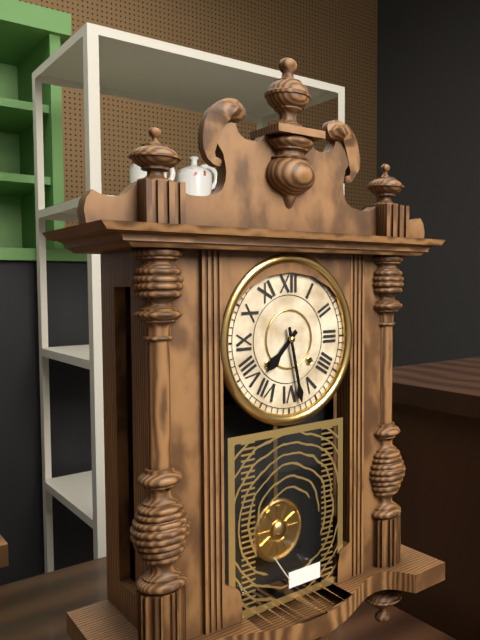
7:28
